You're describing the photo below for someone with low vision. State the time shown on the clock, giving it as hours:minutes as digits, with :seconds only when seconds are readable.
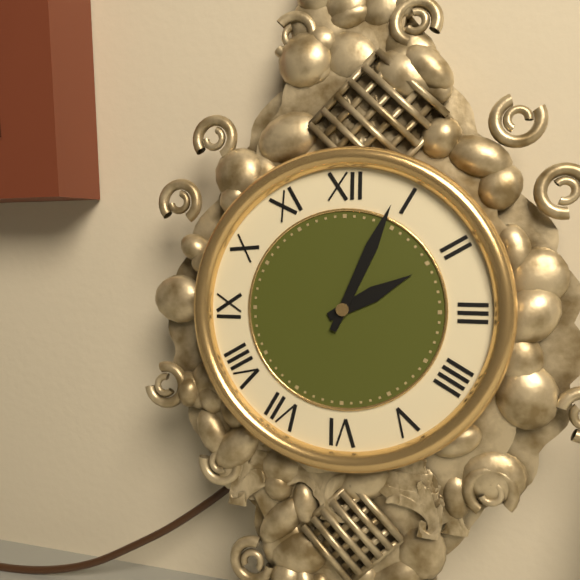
2:04
